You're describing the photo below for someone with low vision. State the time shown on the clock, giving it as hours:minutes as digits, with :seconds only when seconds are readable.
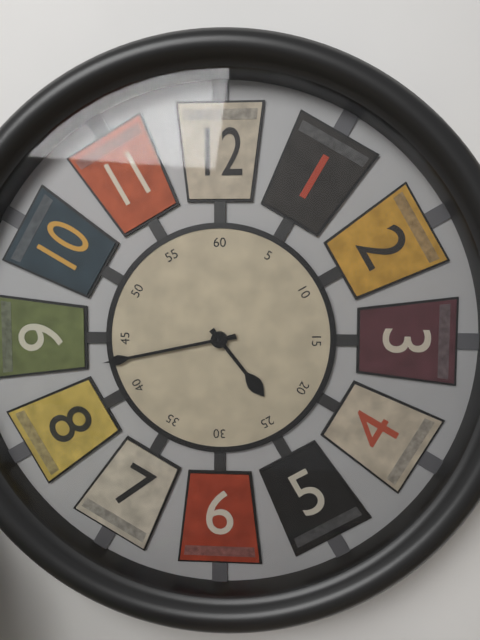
4:43
